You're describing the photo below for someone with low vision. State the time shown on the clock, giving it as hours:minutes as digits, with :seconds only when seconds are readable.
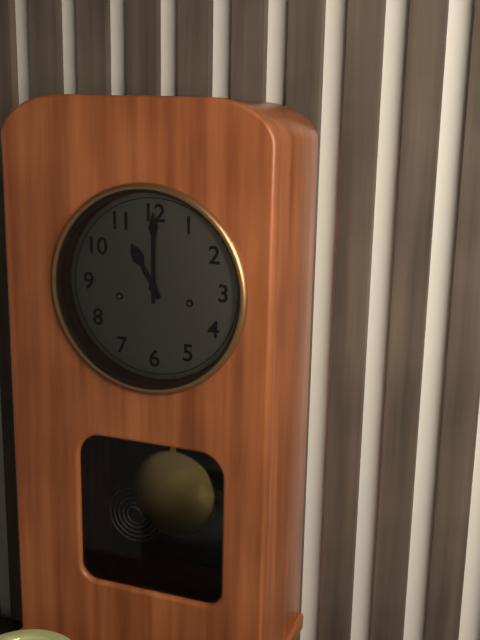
11:00
